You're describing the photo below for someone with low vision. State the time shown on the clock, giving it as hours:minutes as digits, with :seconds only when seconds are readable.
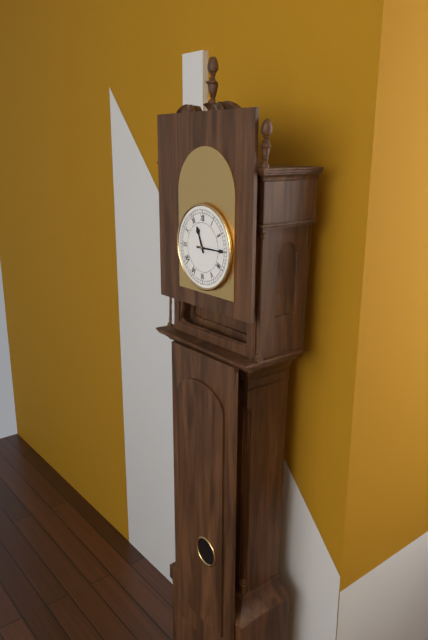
11:15
